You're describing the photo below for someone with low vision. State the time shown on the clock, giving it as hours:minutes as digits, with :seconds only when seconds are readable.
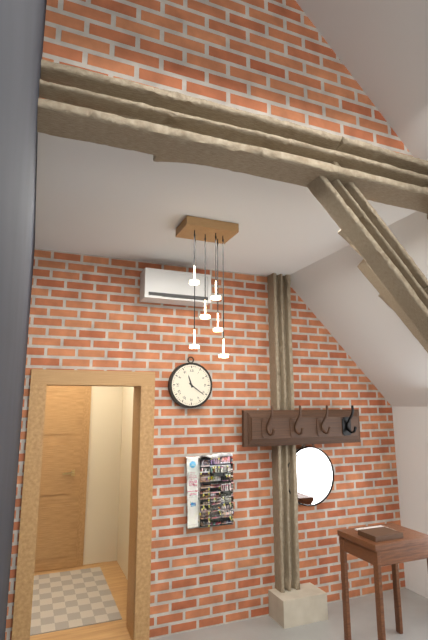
11:21
